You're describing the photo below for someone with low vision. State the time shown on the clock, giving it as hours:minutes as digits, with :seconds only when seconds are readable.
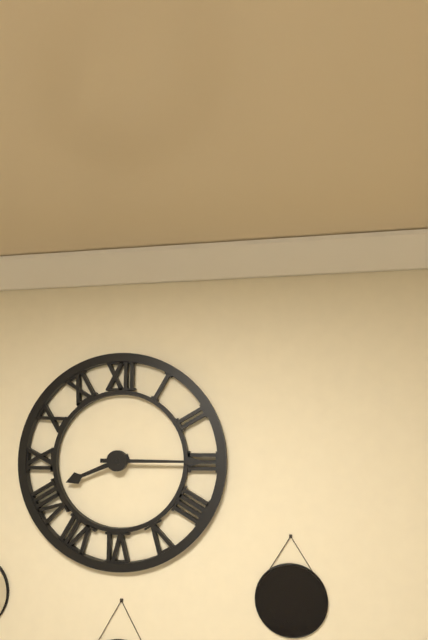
8:15
